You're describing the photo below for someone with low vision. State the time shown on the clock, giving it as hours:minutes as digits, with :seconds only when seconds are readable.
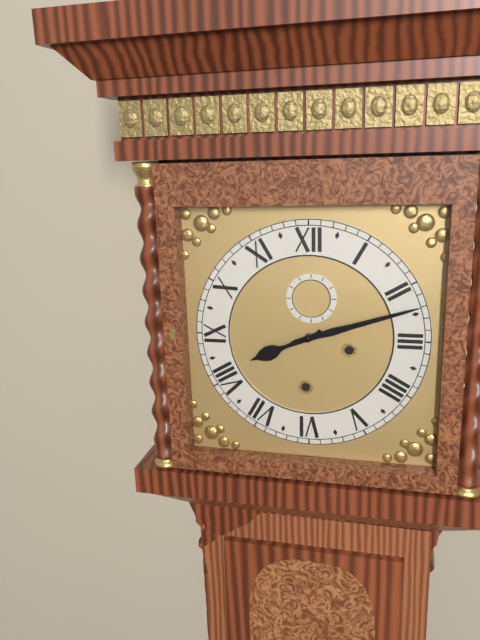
8:12
